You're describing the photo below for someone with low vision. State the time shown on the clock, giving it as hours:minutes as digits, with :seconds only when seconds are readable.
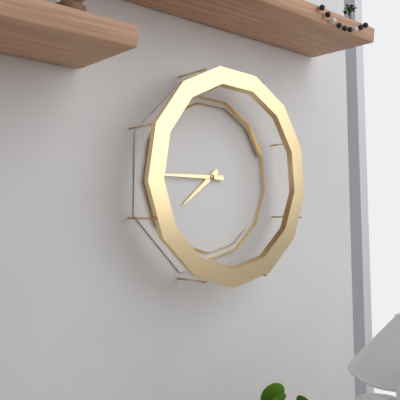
7:45
